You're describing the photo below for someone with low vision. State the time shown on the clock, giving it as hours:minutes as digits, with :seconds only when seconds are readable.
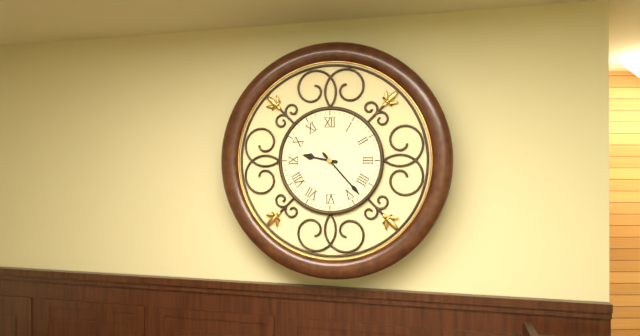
9:23
